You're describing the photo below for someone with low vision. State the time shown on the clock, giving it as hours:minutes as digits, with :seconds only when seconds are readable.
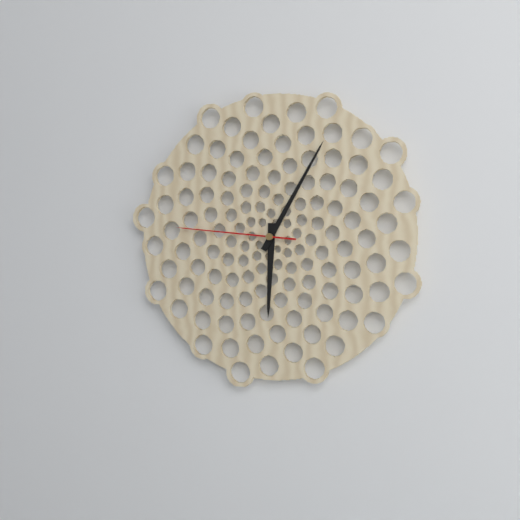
6:05:46
